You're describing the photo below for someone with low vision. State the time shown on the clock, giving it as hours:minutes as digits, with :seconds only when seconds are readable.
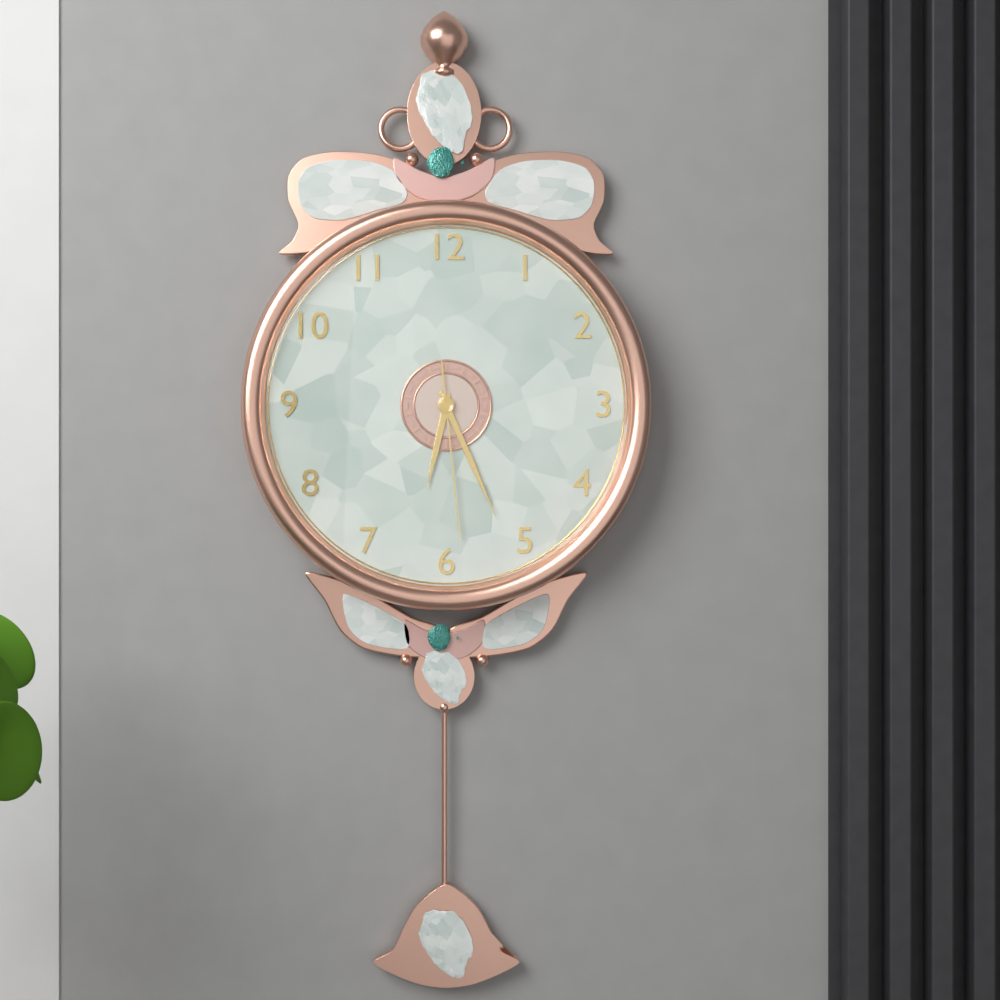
6:26:29
